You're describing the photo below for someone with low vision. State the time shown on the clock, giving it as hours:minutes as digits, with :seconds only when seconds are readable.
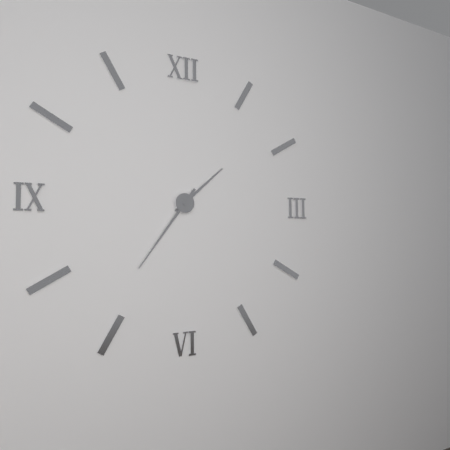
1:36
